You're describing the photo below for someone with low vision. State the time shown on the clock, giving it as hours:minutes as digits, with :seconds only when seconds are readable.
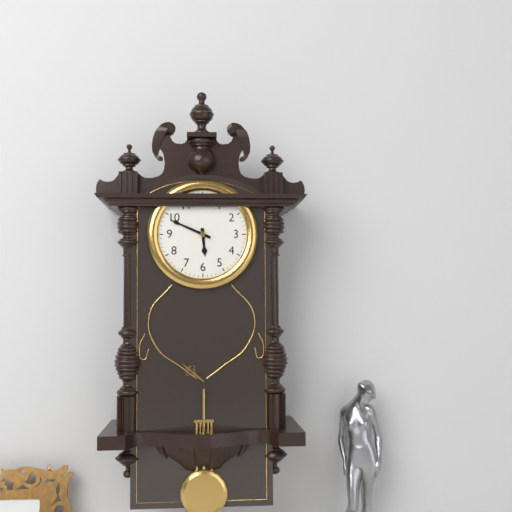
5:49
